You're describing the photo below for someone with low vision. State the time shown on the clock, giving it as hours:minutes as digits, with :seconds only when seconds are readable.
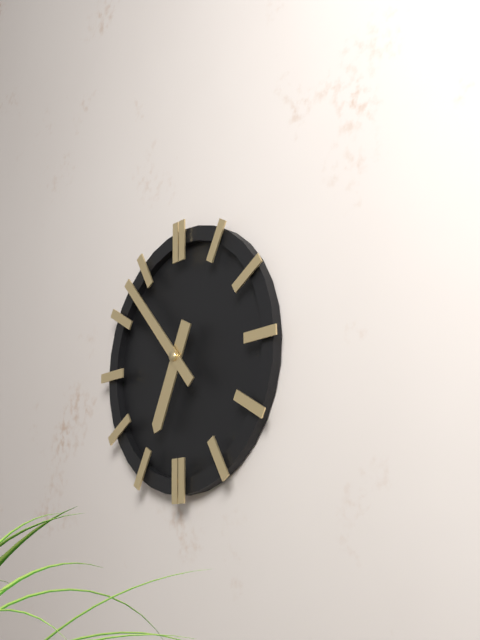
6:53
